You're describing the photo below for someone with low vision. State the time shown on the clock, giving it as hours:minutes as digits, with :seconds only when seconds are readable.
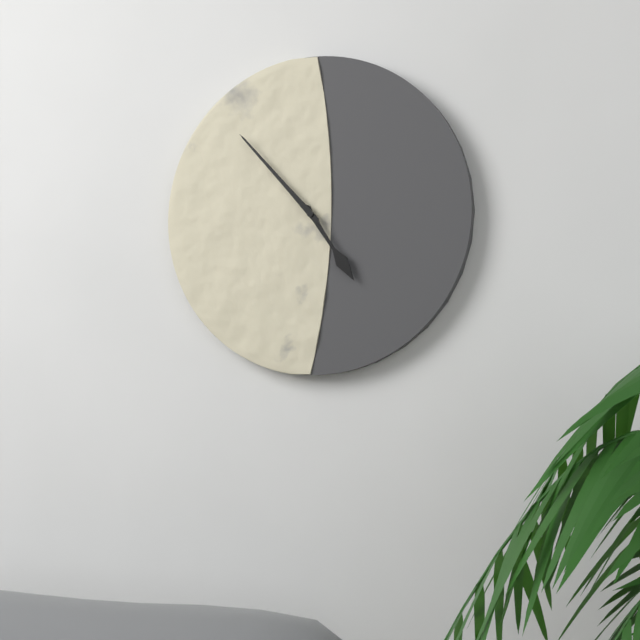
4:53
